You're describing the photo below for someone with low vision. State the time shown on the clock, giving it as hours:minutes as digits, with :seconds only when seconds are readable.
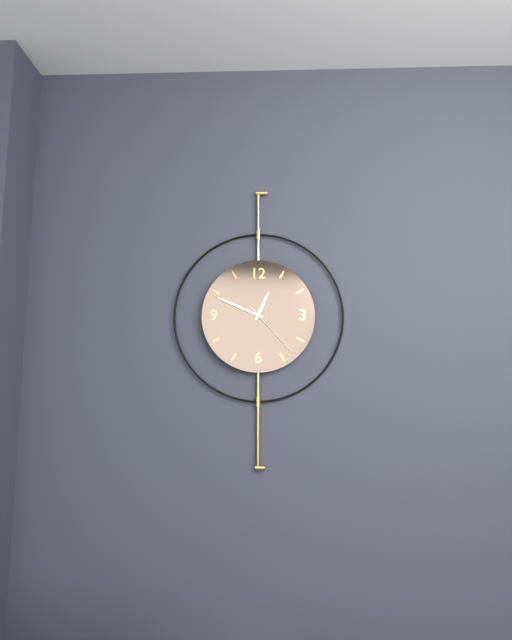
12:49:23
